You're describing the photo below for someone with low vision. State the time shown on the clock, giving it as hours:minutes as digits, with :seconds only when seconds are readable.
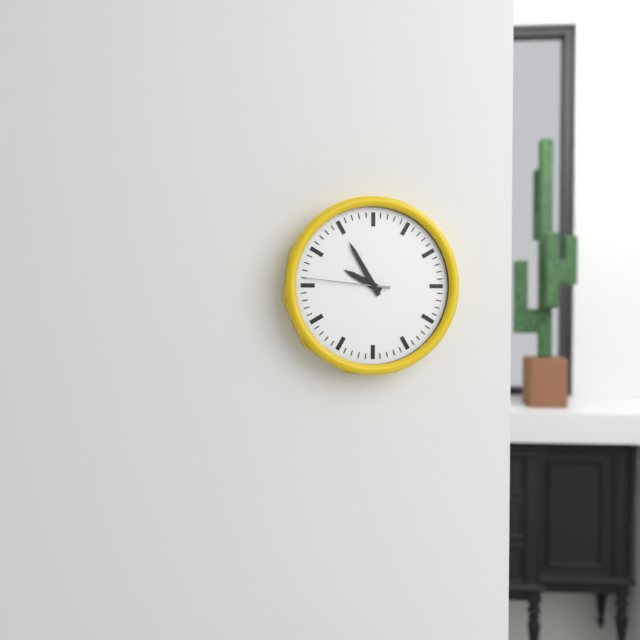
9:55:46
